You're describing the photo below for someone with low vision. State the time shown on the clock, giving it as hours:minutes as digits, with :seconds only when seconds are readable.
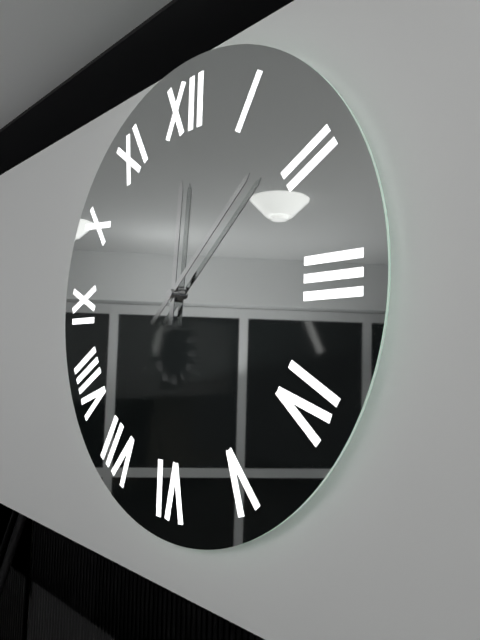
12:08
